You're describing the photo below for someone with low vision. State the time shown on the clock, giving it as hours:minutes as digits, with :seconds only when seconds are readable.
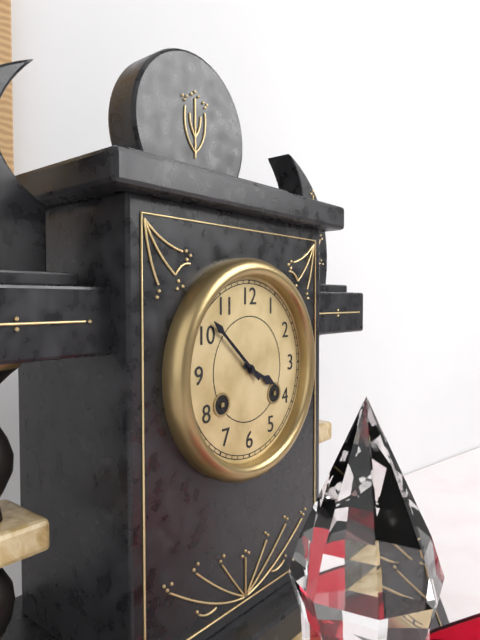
3:52
